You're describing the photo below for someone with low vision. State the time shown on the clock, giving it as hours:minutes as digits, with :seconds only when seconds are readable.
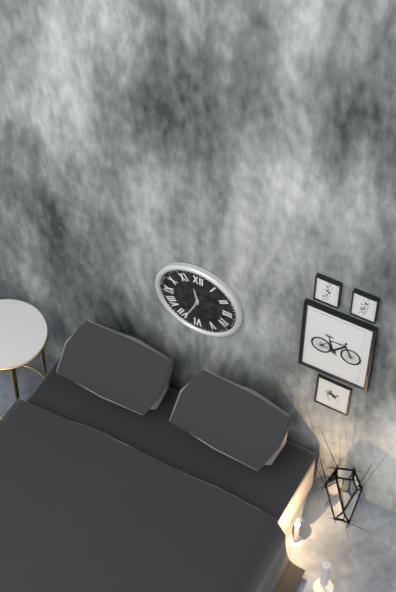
11:34
